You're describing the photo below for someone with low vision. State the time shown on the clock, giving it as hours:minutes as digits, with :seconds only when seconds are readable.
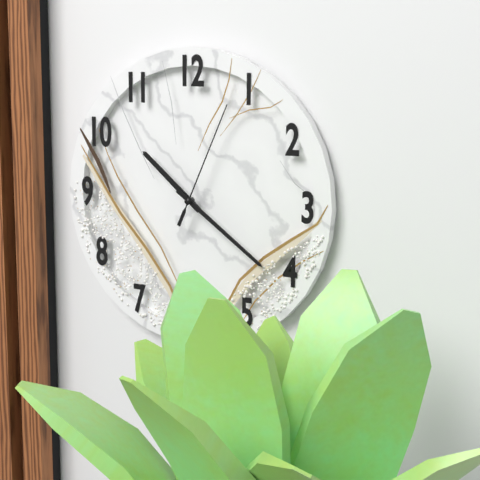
10:21:04
